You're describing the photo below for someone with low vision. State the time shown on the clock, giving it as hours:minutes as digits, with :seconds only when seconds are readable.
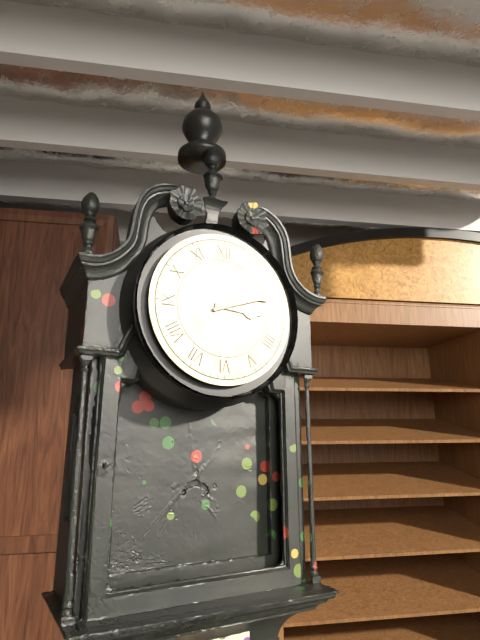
3:12
